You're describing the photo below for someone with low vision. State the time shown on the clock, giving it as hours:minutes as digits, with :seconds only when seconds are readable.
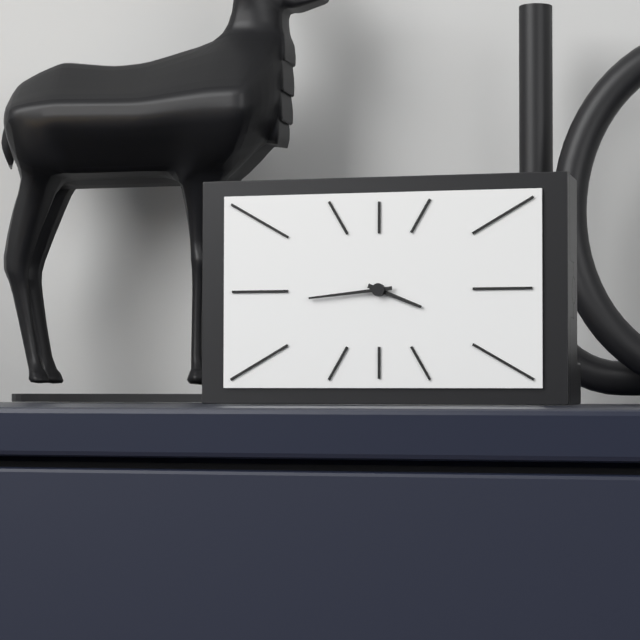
3:44
